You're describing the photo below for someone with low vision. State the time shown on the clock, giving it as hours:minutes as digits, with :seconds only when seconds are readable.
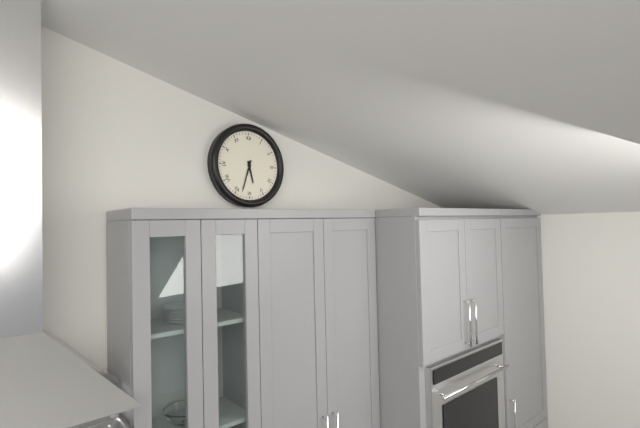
5:33
